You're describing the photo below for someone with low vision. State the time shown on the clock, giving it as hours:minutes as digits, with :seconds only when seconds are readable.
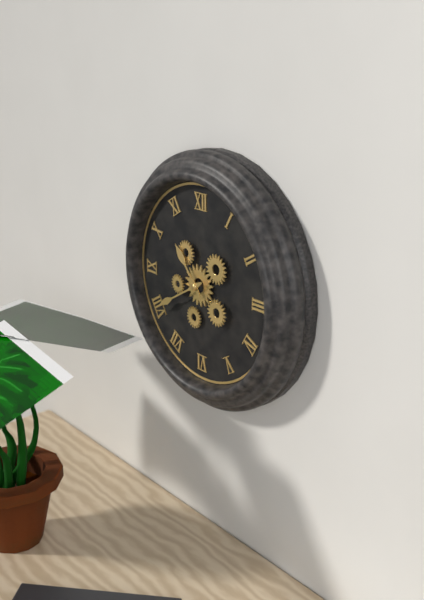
10:40
